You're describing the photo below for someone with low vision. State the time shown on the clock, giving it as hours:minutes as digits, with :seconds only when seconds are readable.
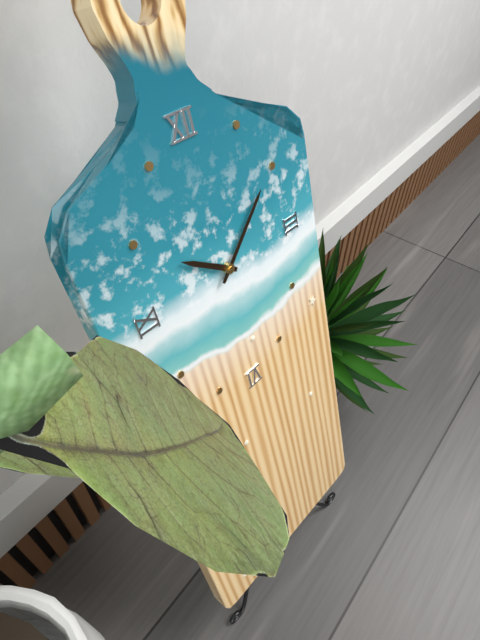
10:08
